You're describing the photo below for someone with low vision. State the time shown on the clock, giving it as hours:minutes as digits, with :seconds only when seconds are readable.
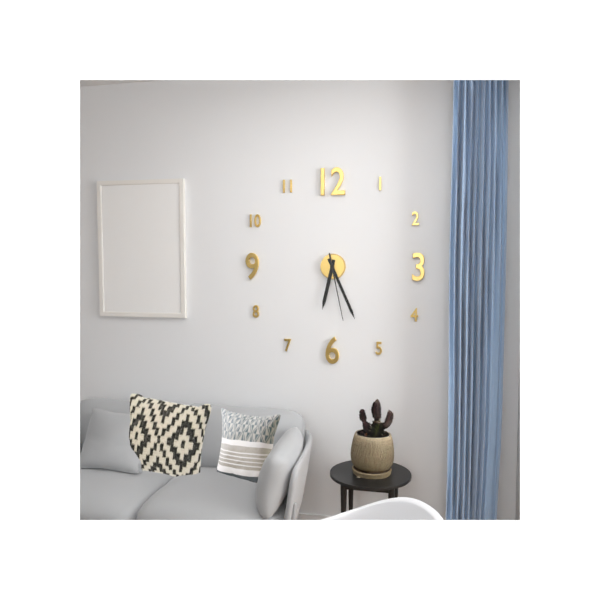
6:26:28
